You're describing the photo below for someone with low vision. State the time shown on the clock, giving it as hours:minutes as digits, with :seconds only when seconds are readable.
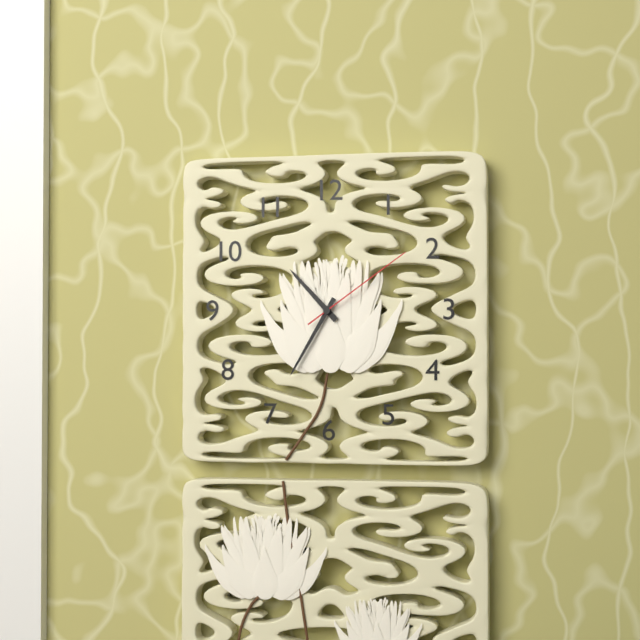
10:35:09
